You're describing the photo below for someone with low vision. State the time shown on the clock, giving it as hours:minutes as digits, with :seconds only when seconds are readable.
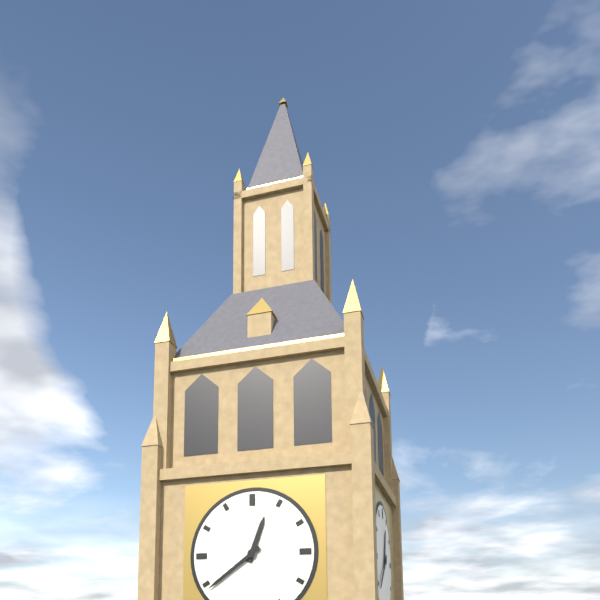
12:39
